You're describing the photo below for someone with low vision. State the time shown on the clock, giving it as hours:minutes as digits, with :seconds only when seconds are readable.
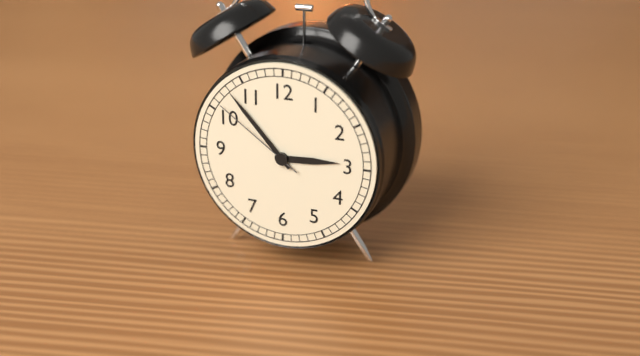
2:53:51
